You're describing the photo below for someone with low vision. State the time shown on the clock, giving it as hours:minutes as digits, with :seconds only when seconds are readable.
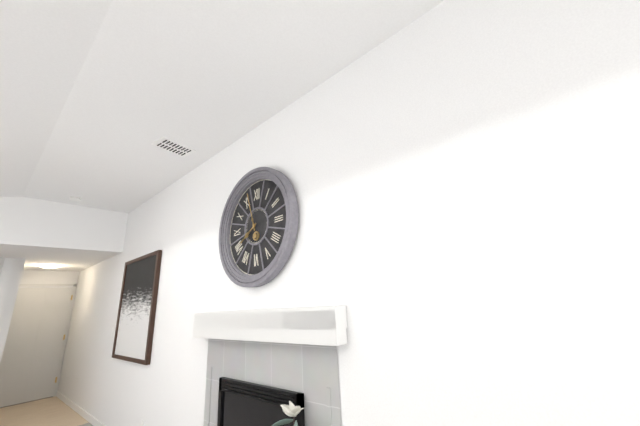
7:57
